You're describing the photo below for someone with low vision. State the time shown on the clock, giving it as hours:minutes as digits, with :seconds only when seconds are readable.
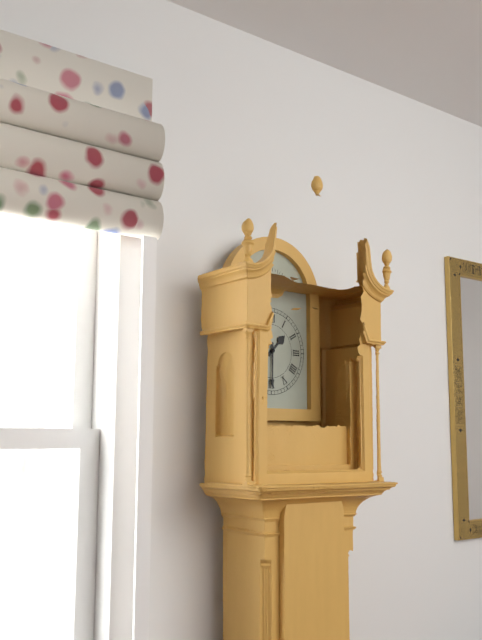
1:30
